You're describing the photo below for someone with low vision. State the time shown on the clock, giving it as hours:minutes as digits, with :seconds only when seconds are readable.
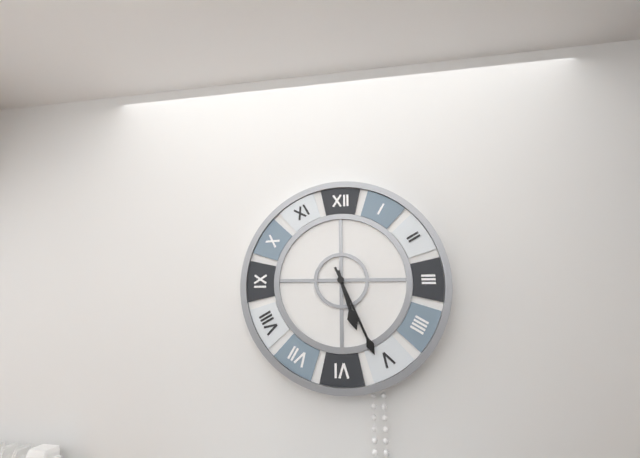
5:26
